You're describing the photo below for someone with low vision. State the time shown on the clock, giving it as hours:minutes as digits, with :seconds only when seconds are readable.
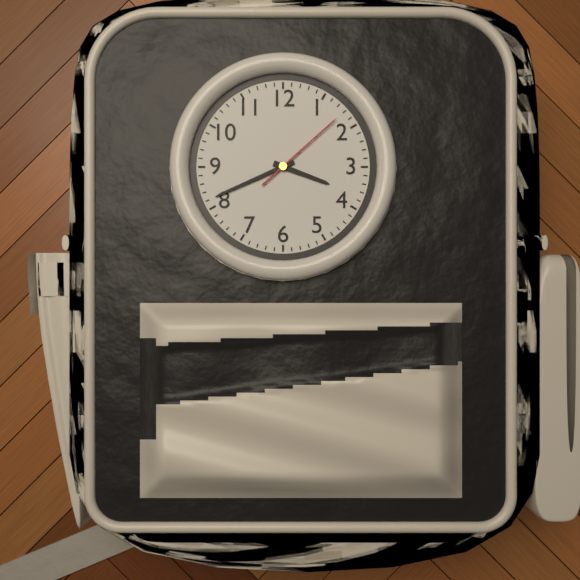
3:41:08
